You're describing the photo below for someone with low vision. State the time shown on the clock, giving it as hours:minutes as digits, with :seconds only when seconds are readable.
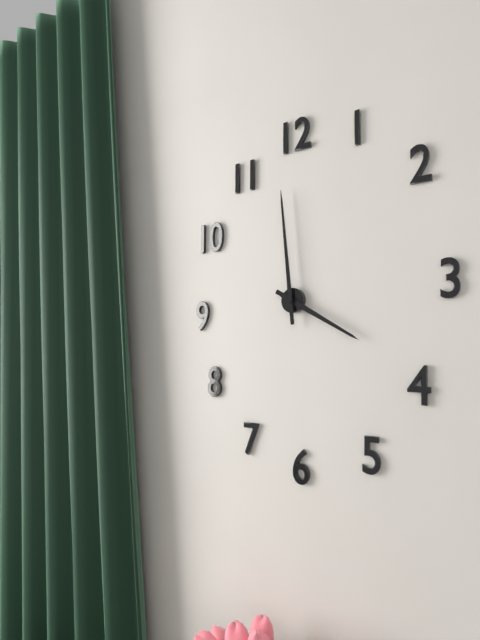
3:59
